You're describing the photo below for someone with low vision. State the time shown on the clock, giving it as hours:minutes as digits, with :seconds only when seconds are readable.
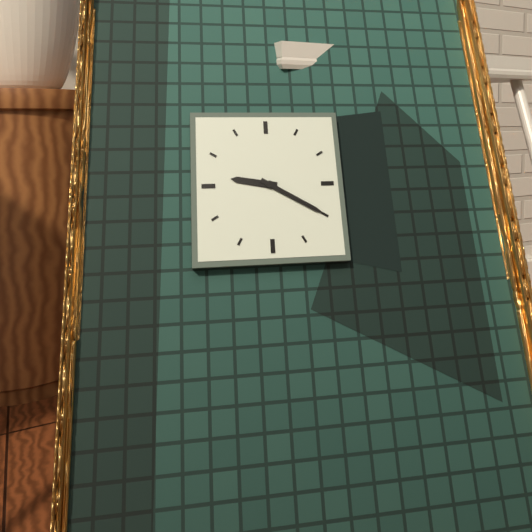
9:20
